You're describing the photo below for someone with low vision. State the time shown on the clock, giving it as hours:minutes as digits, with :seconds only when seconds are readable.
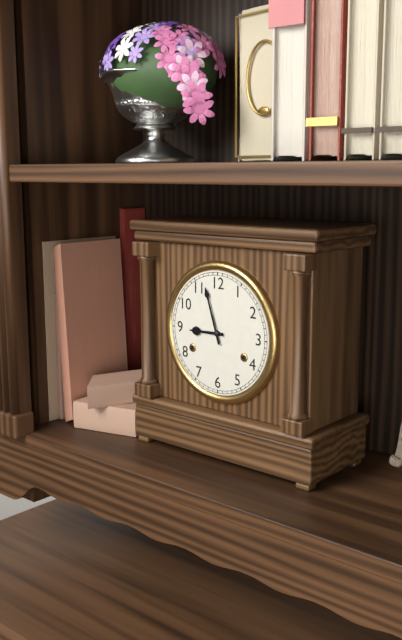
8:57
